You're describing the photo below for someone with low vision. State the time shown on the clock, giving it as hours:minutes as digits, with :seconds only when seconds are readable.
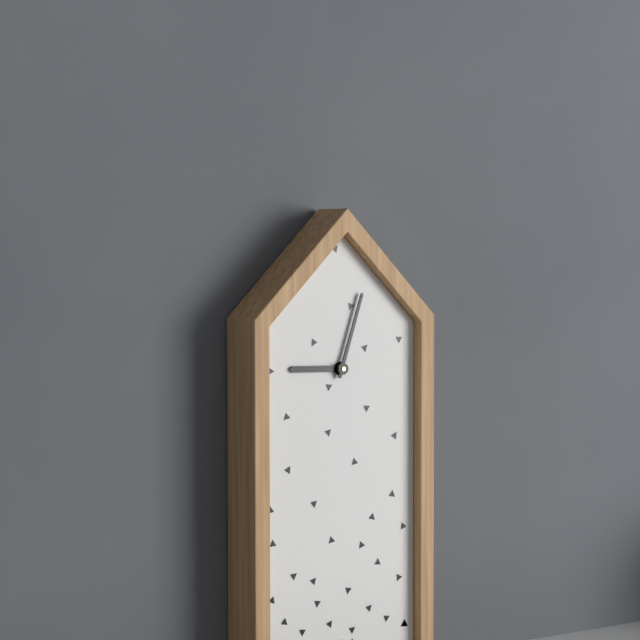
9:03
